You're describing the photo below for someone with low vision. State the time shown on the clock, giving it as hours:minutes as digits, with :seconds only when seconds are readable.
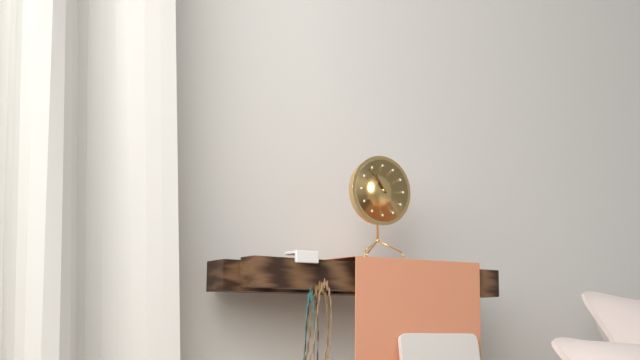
10:53
